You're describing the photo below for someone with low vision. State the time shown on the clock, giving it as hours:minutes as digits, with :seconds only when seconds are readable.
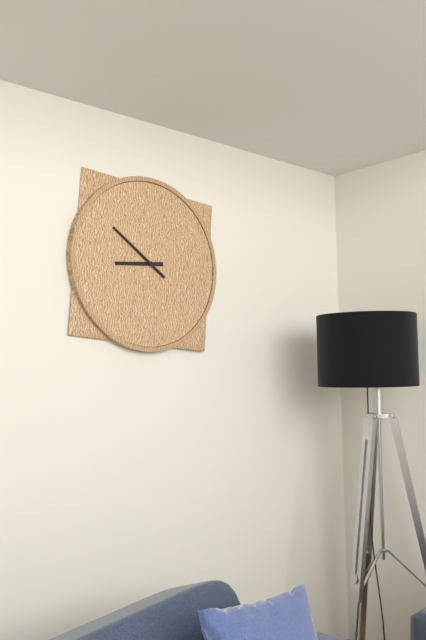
8:51
